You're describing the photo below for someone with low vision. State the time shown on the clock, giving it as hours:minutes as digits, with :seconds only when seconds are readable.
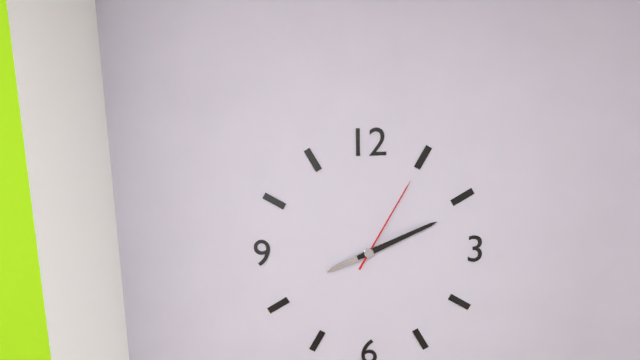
8:11:05
